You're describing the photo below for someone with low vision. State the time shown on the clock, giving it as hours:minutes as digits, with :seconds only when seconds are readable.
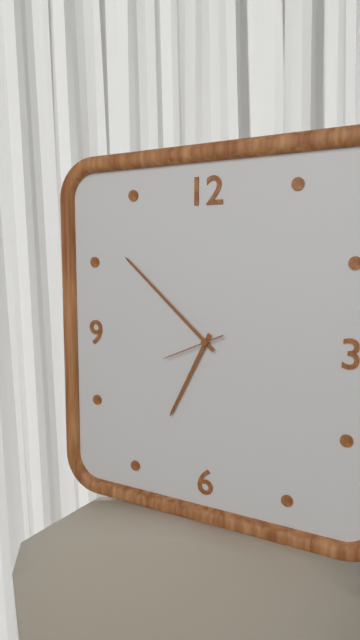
6:52:41
